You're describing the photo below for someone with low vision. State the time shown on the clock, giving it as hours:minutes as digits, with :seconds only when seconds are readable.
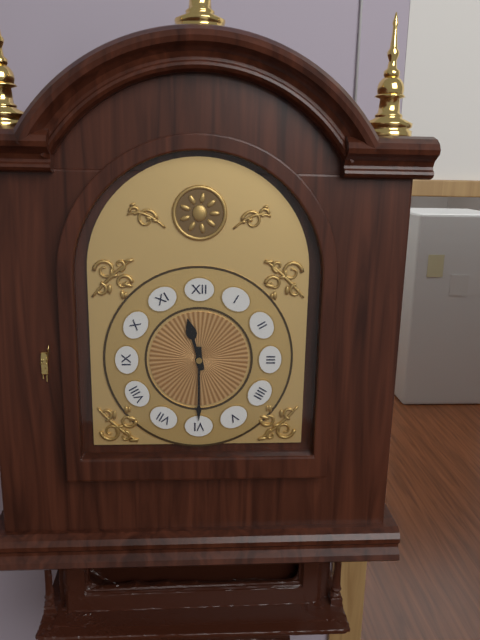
11:30
